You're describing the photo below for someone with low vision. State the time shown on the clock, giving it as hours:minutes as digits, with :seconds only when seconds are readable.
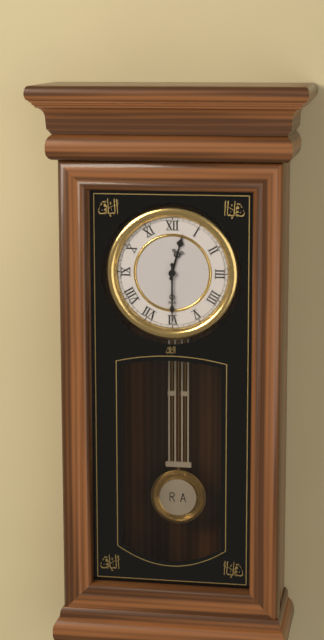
12:30
